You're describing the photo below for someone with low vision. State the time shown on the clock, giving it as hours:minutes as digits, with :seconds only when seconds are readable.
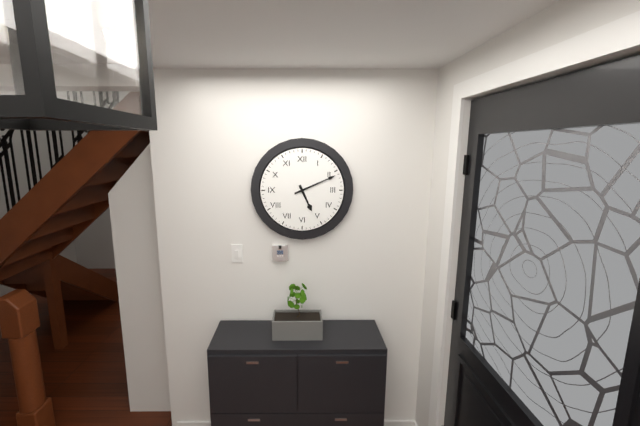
5:11
